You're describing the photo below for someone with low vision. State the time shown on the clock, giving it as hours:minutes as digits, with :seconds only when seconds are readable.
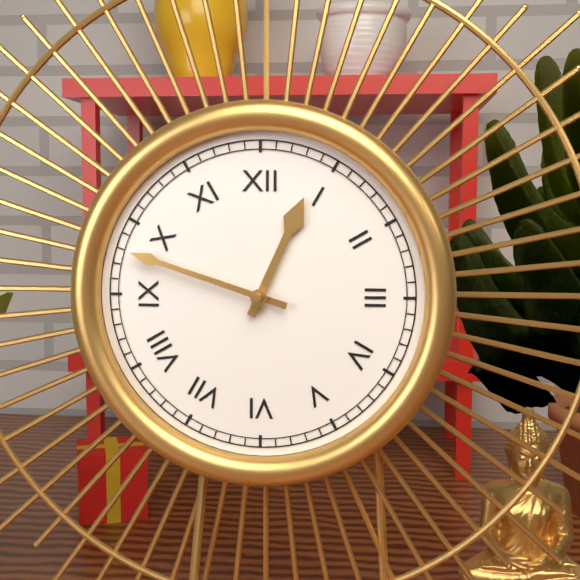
12:48
